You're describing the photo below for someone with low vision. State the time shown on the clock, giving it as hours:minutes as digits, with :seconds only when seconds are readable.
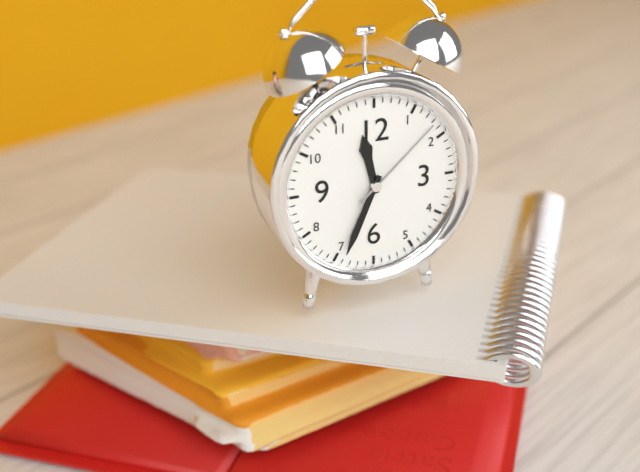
11:34:08
